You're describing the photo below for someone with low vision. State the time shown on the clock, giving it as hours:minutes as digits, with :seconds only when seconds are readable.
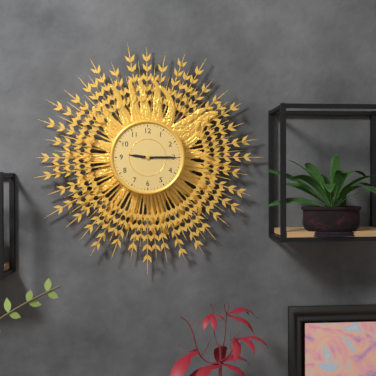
9:15
